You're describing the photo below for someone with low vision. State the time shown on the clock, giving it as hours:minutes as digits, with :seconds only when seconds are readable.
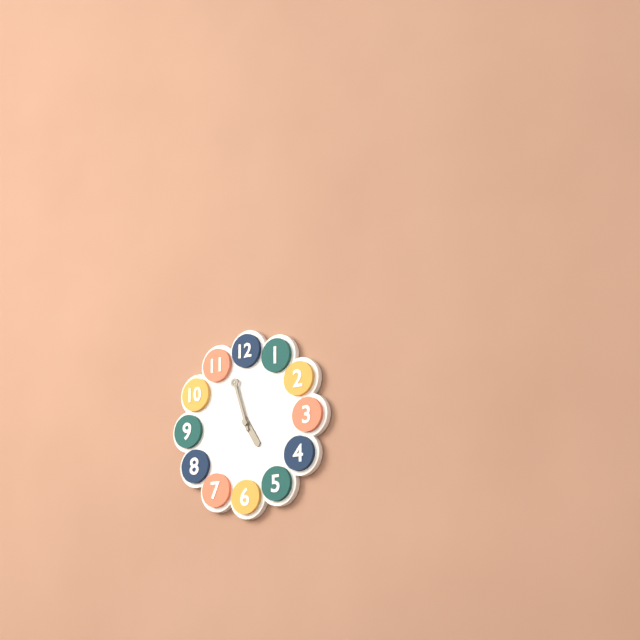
4:57
